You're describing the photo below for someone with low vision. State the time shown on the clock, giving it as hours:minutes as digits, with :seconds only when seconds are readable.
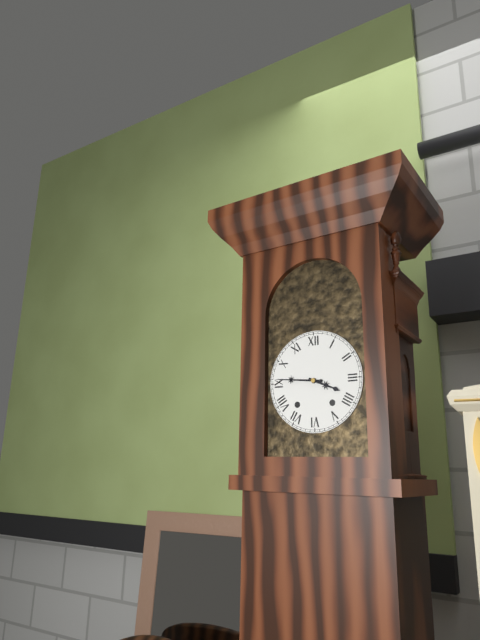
3:46
